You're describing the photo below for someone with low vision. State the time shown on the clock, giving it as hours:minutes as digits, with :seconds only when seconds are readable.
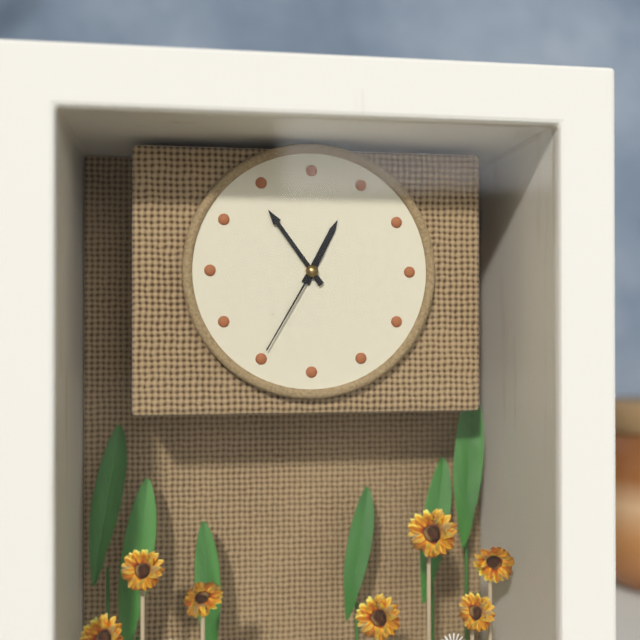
12:54:35
